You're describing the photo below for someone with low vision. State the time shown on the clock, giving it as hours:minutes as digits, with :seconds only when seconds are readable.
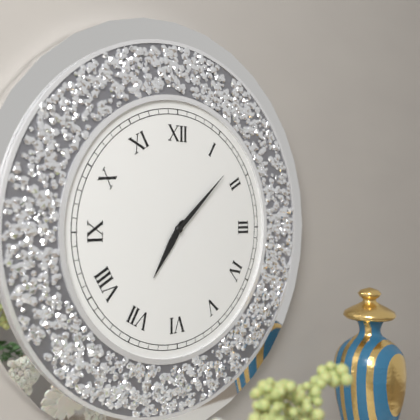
7:08
